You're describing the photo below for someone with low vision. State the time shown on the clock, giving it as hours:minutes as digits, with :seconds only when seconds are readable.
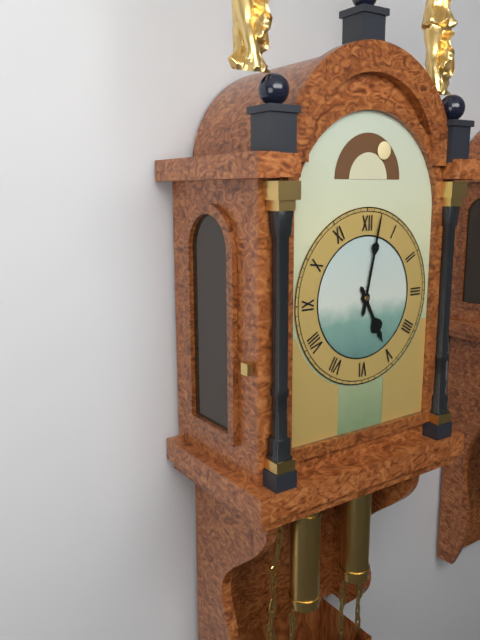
5:02
